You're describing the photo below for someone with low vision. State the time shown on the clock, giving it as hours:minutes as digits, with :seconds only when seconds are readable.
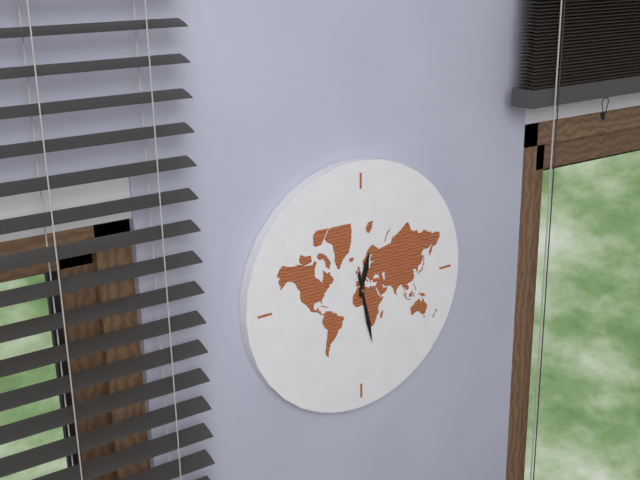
12:28
